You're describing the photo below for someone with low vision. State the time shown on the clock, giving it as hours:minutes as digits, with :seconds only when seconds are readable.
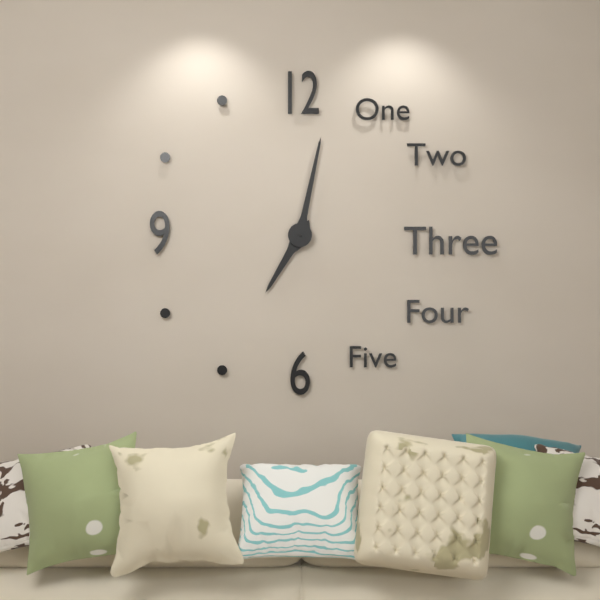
7:02
